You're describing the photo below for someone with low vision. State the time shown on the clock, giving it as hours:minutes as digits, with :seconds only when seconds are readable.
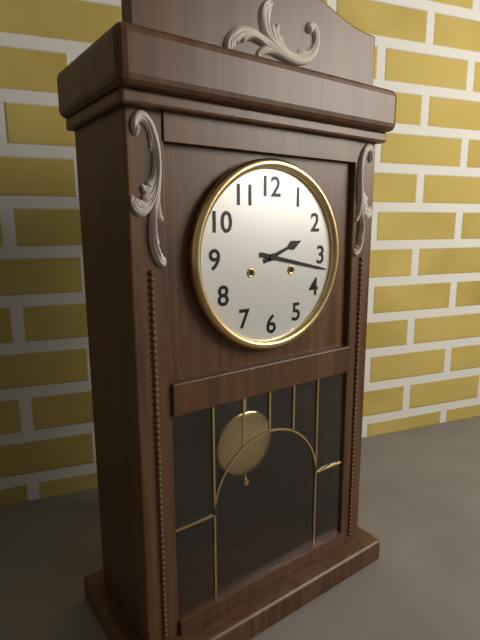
2:17
